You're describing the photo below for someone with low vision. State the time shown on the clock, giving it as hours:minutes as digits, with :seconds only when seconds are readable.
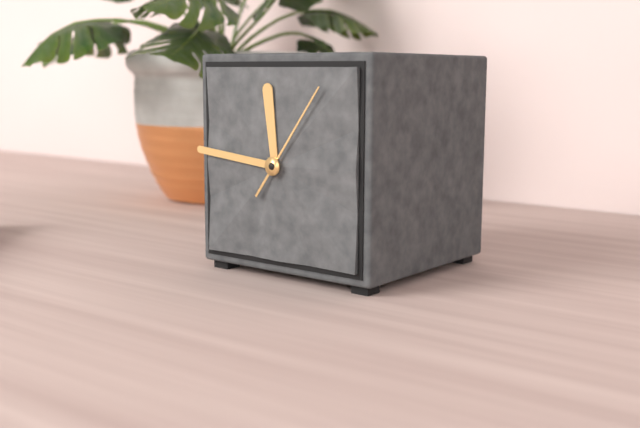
11:46:06
